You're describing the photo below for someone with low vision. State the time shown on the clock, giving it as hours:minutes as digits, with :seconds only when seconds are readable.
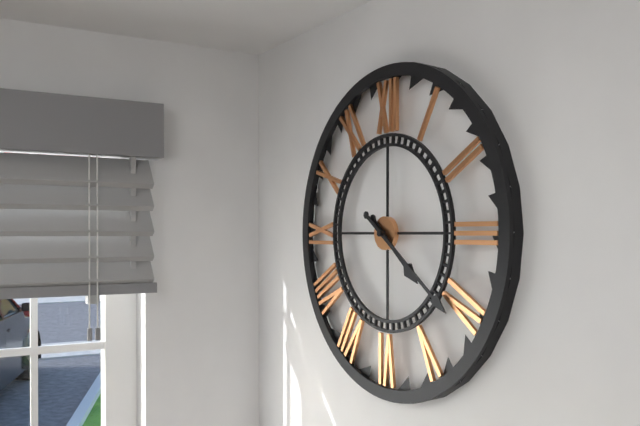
4:21
